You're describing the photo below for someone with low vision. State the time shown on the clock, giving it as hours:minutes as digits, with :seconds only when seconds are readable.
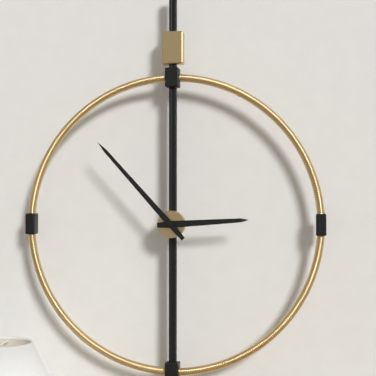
2:53
